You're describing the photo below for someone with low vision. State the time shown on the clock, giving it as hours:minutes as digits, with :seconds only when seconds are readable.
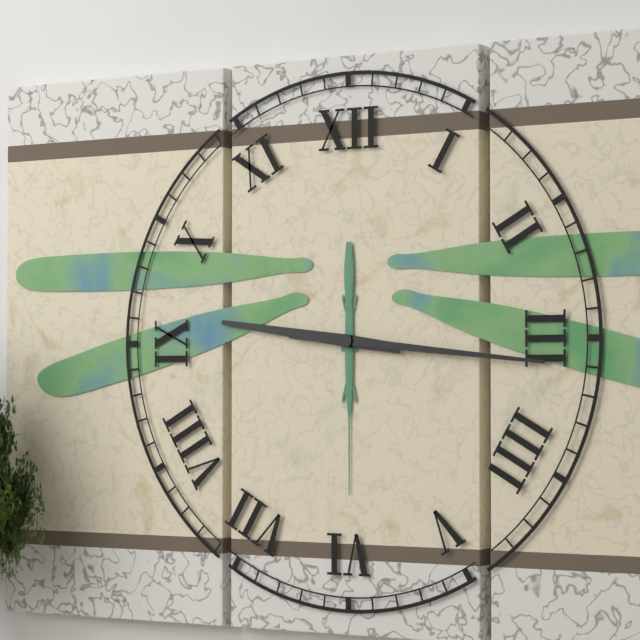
9:16
